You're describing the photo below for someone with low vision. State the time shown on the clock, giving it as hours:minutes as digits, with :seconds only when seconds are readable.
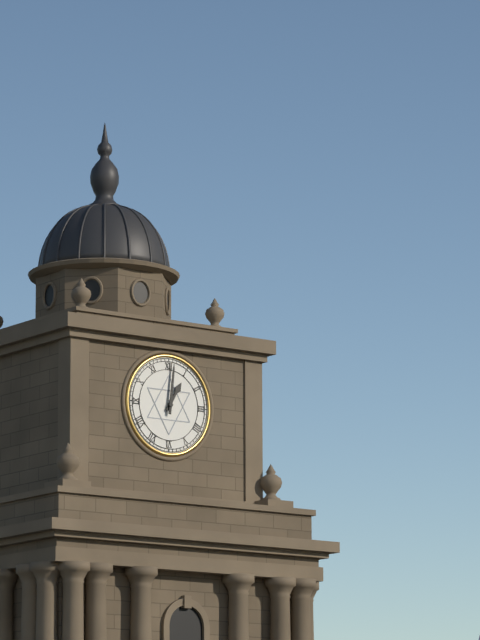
1:01
